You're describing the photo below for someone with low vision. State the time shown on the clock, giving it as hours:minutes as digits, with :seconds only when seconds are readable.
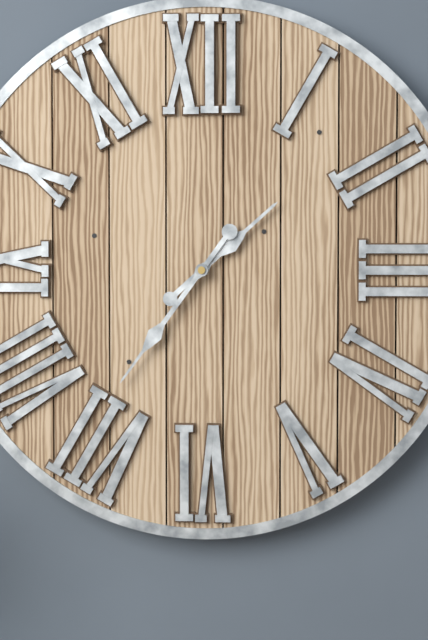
1:36
